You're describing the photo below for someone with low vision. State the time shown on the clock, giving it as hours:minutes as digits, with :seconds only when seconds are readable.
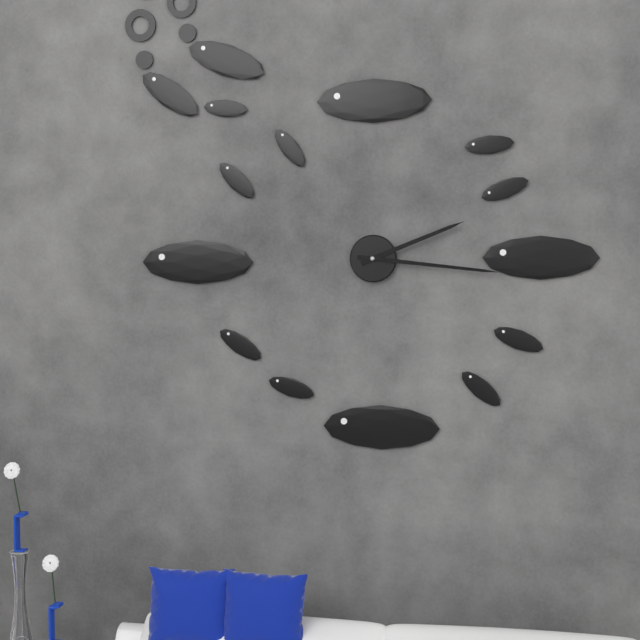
2:16
